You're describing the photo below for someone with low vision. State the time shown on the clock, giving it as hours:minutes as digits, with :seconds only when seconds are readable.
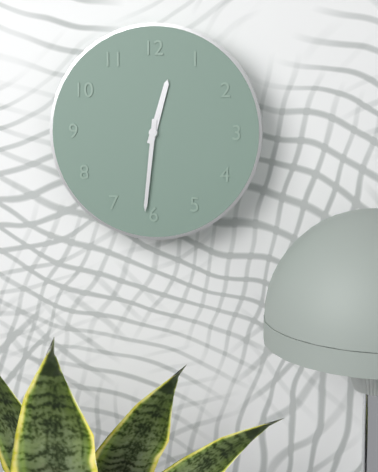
12:31
